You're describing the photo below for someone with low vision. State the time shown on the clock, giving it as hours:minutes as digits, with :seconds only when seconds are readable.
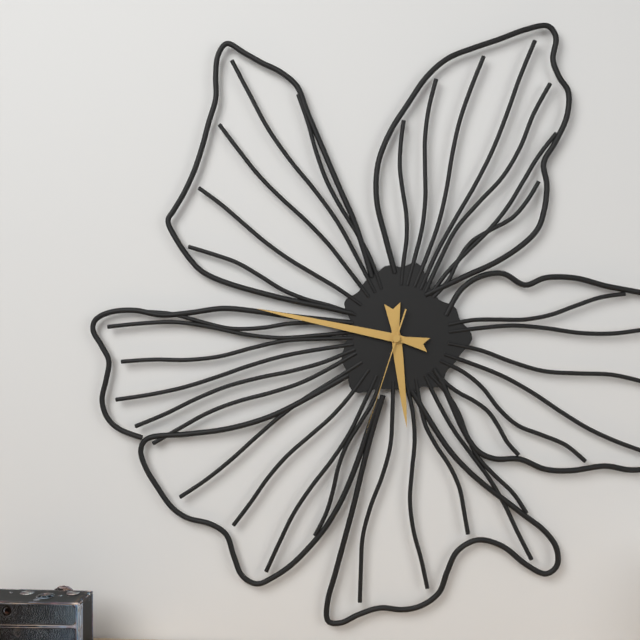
5:47:33
